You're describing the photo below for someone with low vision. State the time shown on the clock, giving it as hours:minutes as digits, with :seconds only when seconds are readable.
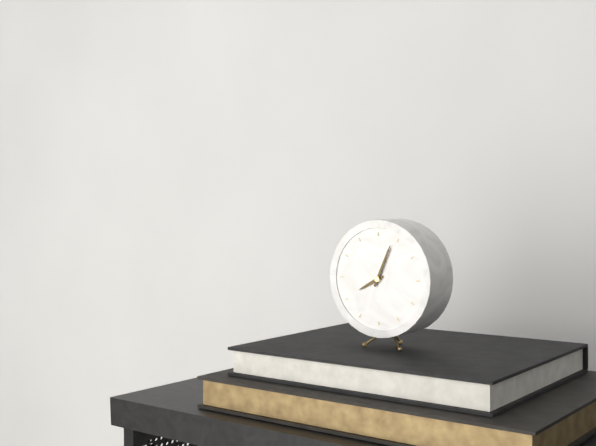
8:04
